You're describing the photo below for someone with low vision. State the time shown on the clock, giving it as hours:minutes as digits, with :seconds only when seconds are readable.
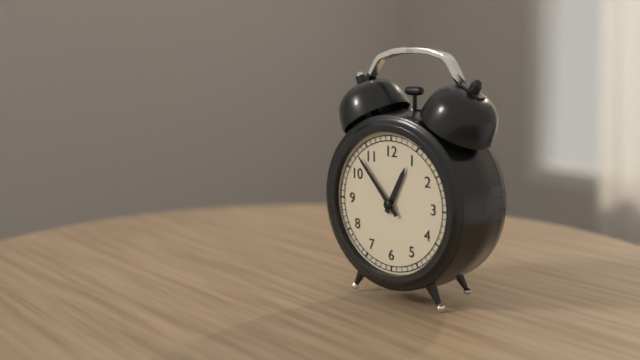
12:53
